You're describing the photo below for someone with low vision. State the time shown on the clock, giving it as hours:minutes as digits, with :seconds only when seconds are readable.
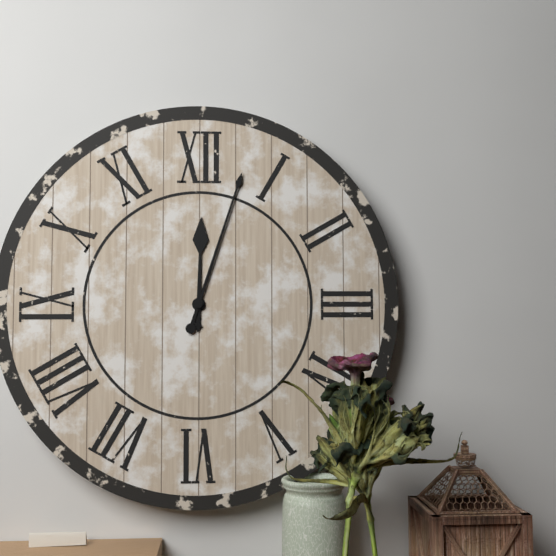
12:03
